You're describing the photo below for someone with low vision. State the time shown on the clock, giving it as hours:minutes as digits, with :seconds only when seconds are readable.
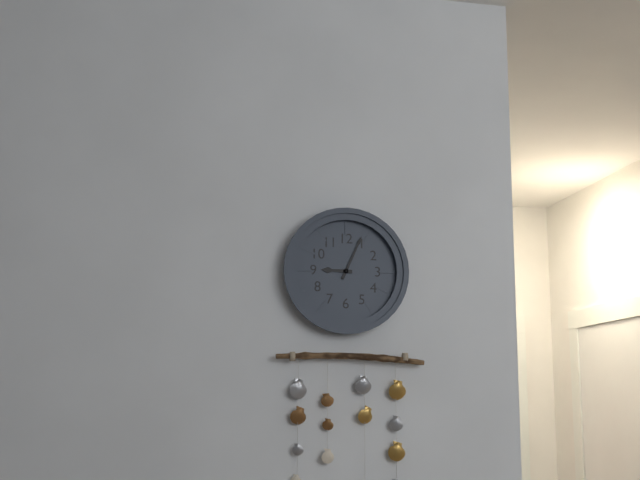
9:04
